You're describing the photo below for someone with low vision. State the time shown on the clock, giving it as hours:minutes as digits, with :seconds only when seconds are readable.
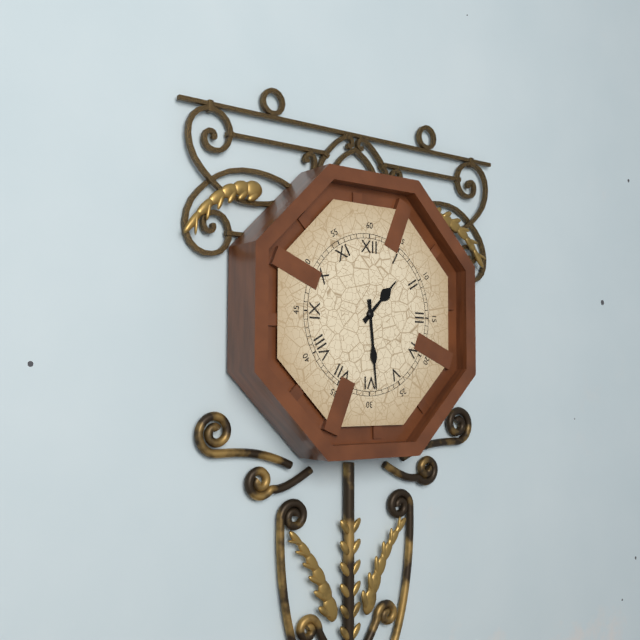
1:29
